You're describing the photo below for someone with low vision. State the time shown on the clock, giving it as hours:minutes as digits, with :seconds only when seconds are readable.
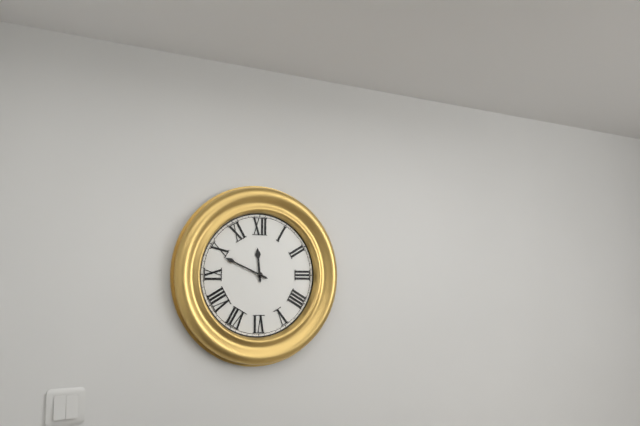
11:49
